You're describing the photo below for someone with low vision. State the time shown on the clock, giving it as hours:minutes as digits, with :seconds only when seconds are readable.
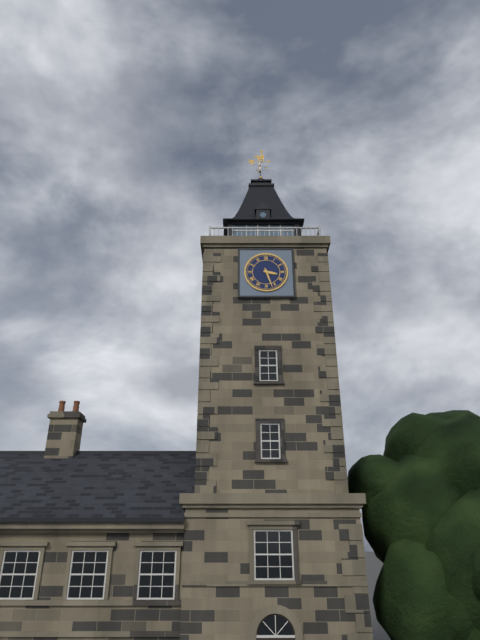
3:27
